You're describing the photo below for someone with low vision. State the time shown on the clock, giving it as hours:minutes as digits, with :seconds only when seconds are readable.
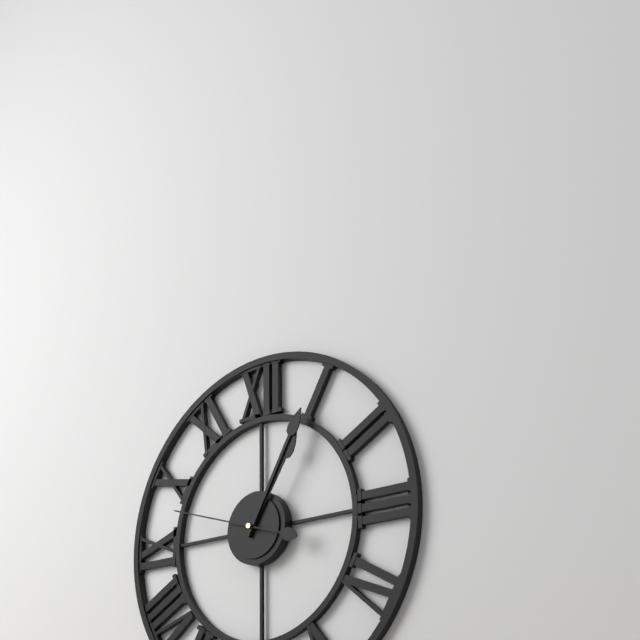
1:05:48
